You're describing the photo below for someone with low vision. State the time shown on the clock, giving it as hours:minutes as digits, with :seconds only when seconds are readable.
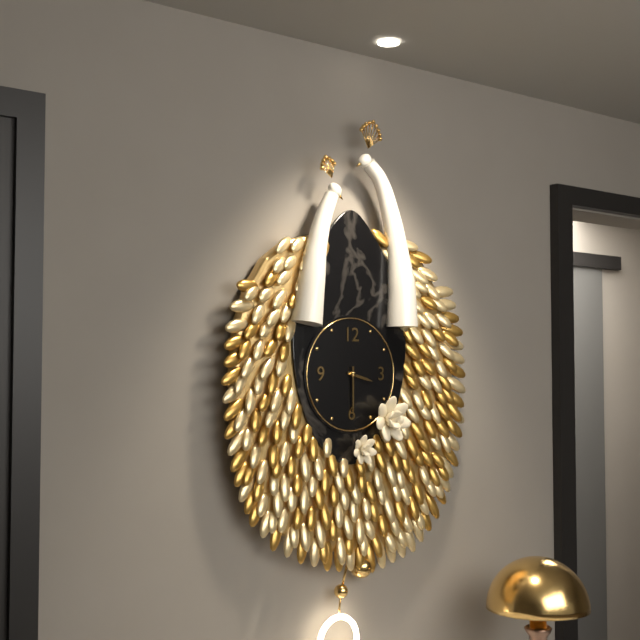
3:30
